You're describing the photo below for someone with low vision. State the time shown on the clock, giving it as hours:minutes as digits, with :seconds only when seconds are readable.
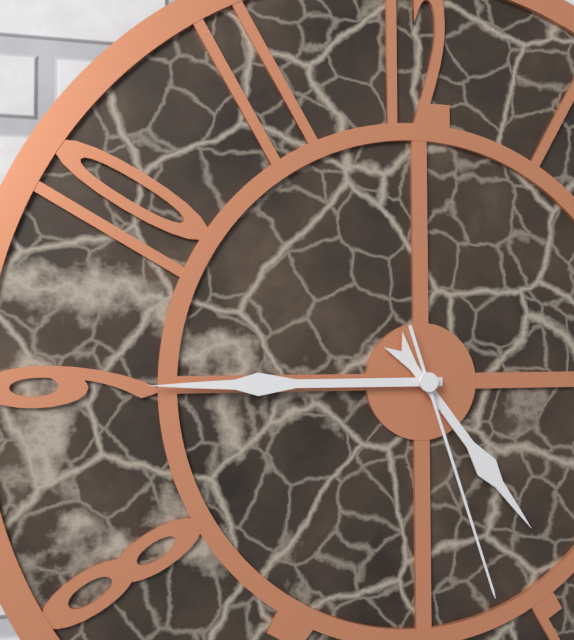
4:45:27
